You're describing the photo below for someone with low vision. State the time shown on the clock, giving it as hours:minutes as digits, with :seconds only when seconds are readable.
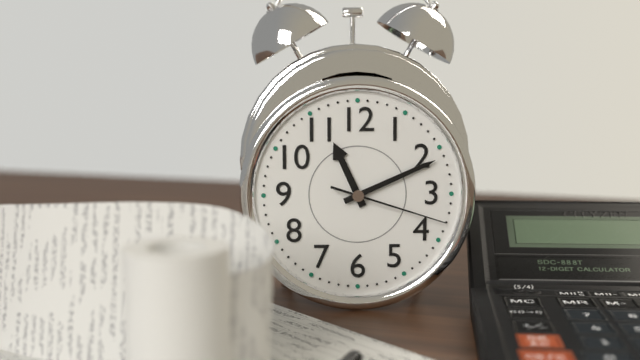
11:11:18
